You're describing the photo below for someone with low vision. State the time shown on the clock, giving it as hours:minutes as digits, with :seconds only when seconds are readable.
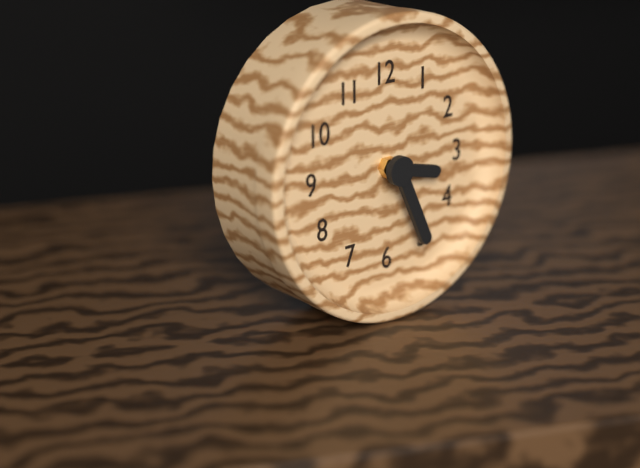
3:26
